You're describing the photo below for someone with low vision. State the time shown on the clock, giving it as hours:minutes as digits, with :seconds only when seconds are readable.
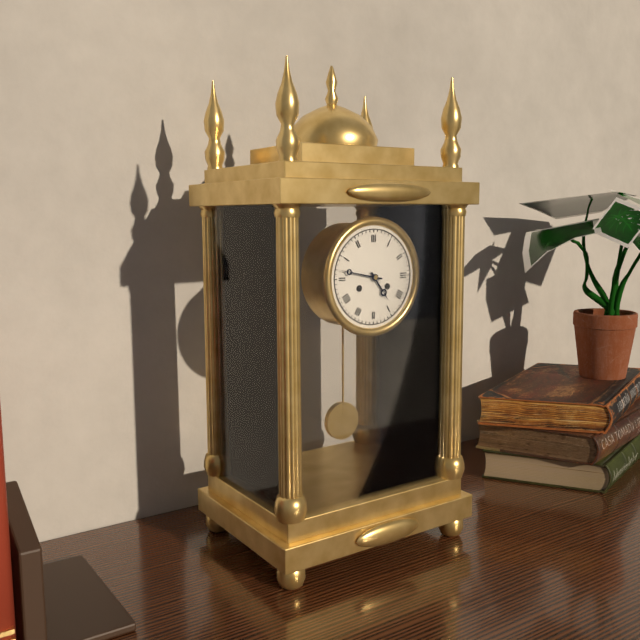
4:47
